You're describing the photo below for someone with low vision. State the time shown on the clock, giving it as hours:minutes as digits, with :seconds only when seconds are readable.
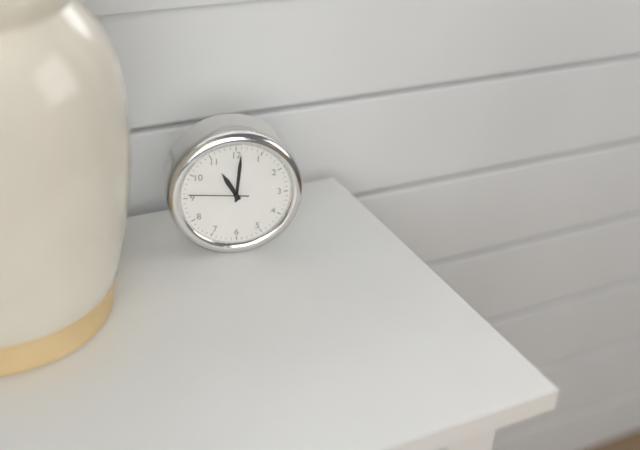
11:01:46
